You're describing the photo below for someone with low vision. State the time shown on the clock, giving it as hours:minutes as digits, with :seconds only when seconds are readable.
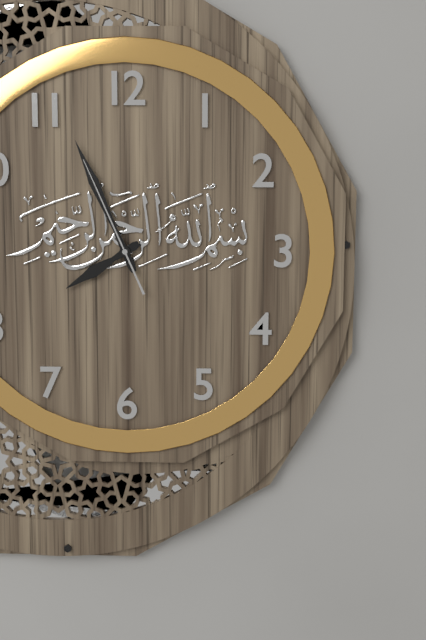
7:56:56
